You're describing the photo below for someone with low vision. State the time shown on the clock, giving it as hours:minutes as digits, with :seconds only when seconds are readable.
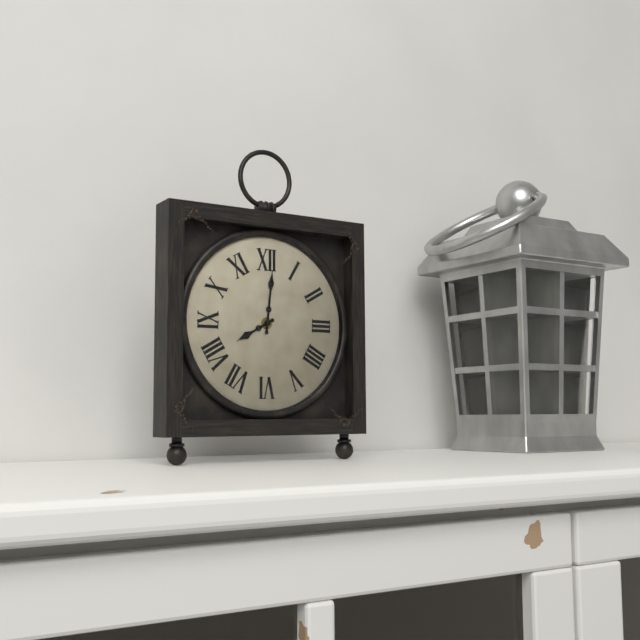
8:01
